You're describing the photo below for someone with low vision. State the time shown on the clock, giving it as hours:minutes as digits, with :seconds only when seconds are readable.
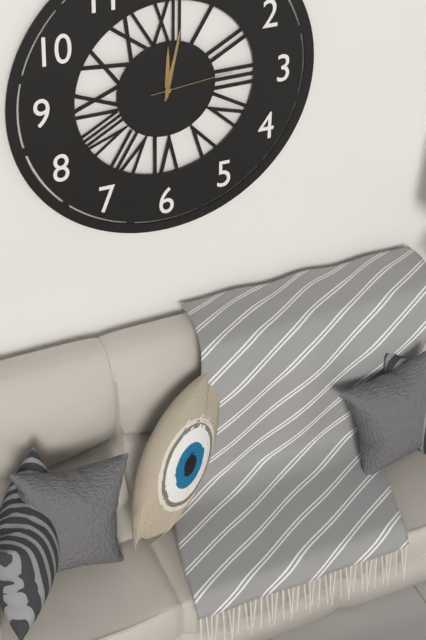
12:02:14
